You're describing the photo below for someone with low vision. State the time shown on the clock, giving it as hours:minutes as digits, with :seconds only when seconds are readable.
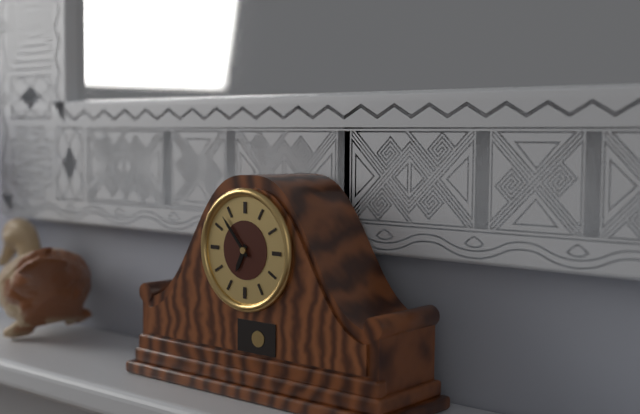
6:53
